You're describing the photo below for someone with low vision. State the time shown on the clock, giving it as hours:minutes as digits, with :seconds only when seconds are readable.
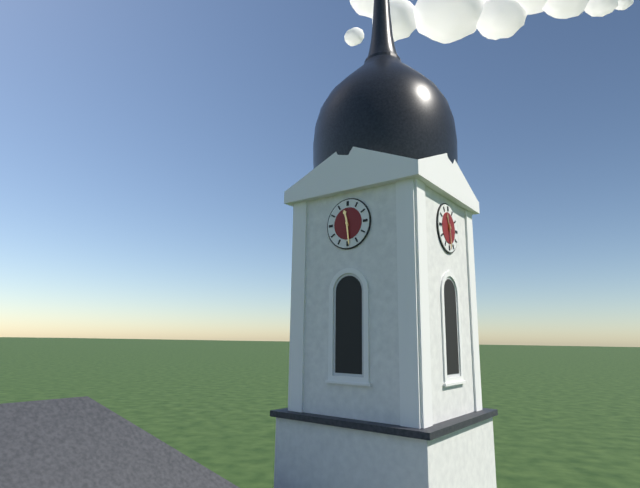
11:29
